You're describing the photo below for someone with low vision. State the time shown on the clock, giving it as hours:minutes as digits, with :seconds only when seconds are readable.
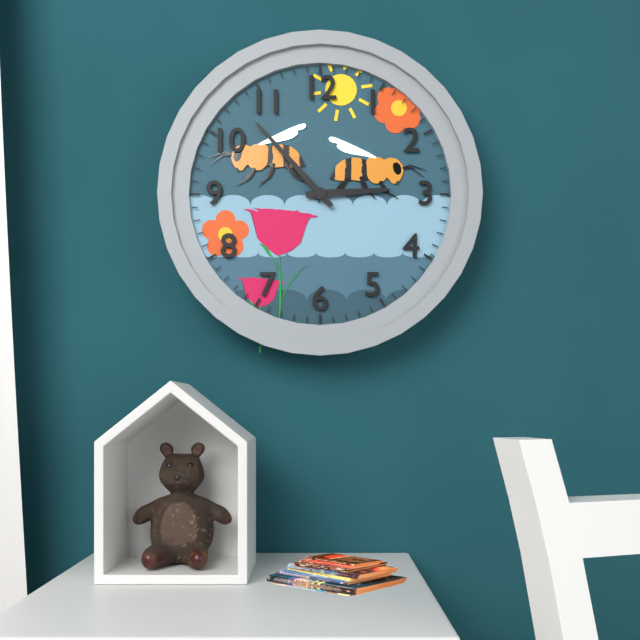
2:53
